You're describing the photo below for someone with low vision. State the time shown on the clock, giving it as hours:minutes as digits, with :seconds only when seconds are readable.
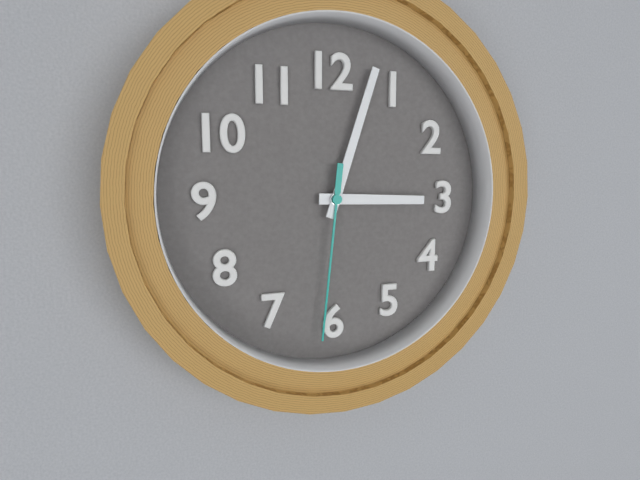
3:03:31
